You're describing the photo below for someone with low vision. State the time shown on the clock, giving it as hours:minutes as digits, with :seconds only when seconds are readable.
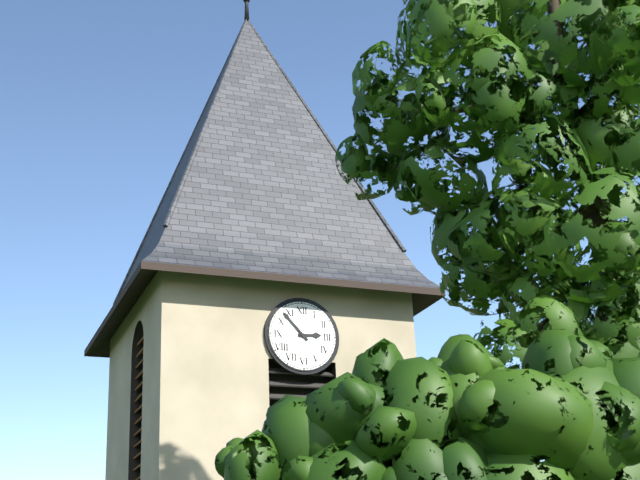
2:53
